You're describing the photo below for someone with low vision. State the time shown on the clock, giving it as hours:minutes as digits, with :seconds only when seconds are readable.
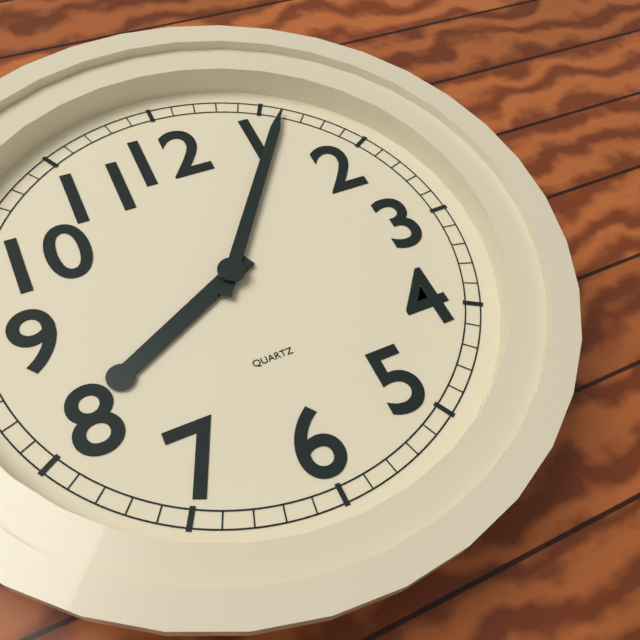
8:06
